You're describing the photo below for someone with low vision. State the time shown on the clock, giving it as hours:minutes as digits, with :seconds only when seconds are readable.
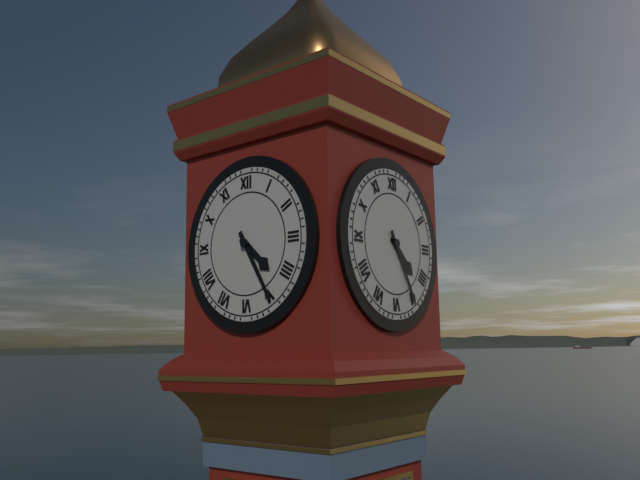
4:25
